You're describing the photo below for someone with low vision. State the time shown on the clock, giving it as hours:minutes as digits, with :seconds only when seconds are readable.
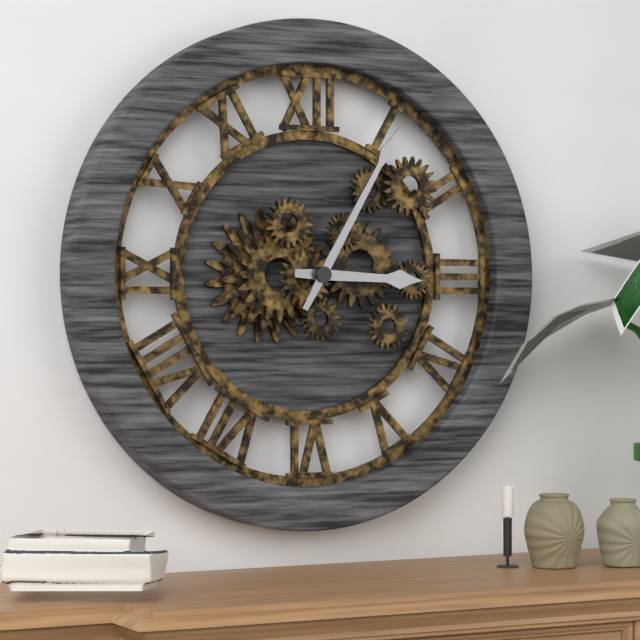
3:05
